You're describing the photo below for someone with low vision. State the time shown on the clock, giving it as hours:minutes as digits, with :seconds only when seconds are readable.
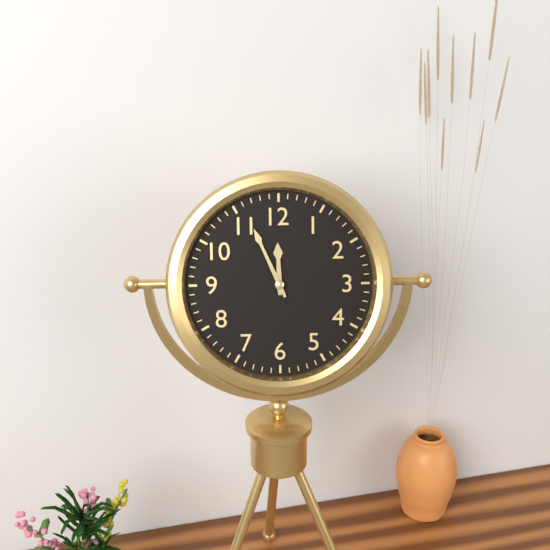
11:56
